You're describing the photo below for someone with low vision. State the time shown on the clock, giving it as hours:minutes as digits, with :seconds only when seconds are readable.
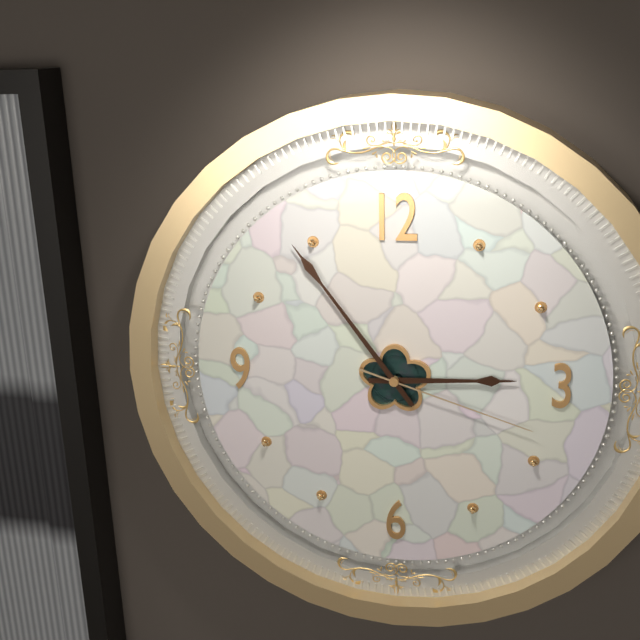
2:54:18
